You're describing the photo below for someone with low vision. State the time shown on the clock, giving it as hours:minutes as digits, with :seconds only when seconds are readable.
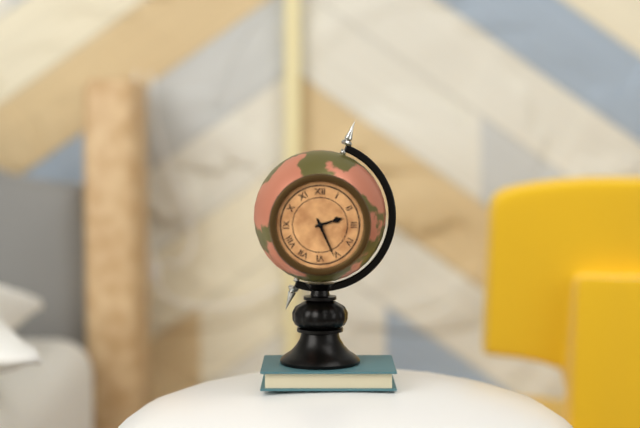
2:26
